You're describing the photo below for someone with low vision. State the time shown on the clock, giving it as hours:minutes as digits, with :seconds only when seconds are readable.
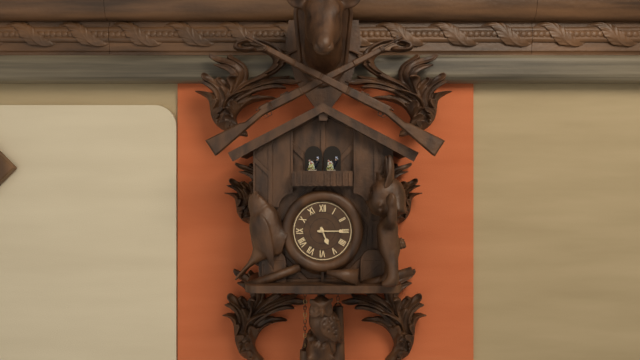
5:15
